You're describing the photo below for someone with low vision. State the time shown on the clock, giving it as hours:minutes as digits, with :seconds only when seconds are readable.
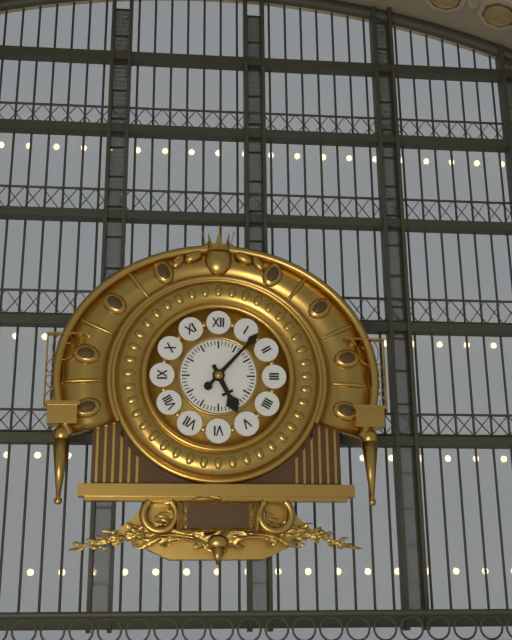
5:07
